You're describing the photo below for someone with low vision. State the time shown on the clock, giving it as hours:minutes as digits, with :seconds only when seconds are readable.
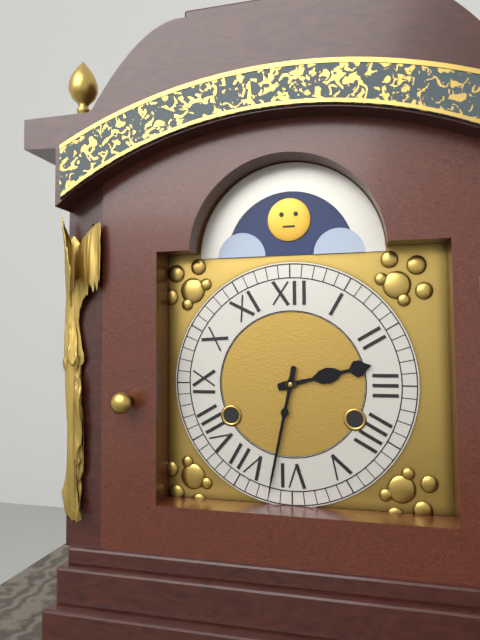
2:32
